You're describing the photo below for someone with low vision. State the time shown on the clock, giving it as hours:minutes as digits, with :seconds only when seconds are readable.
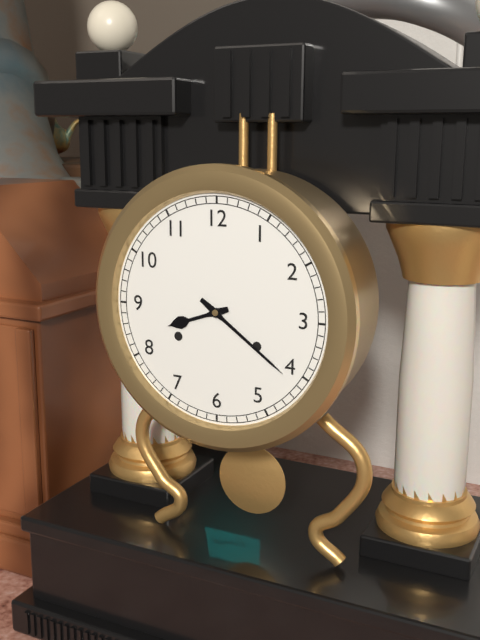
8:21
